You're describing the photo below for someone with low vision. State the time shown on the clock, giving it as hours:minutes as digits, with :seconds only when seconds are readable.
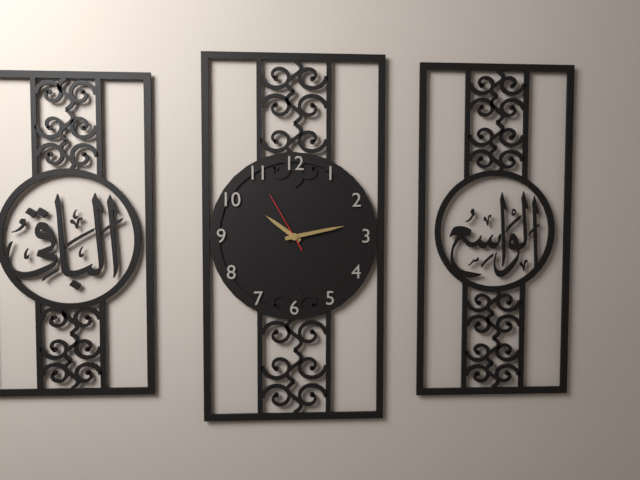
10:13:55
